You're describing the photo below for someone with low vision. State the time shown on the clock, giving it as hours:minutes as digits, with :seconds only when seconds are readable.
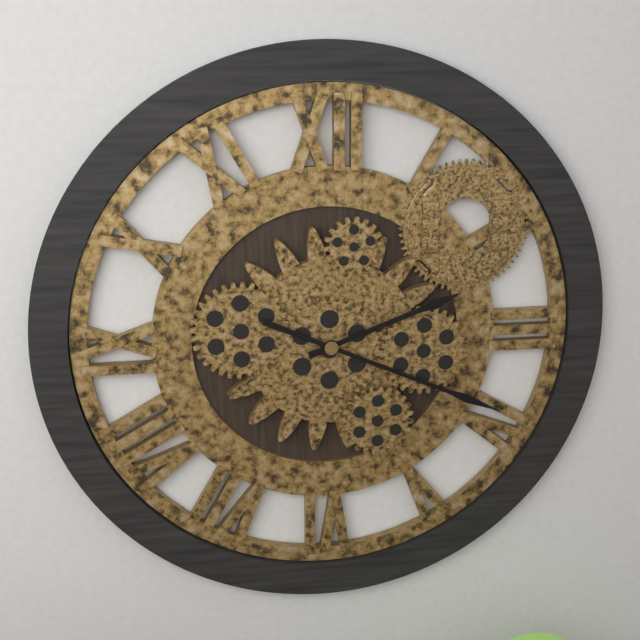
2:19
